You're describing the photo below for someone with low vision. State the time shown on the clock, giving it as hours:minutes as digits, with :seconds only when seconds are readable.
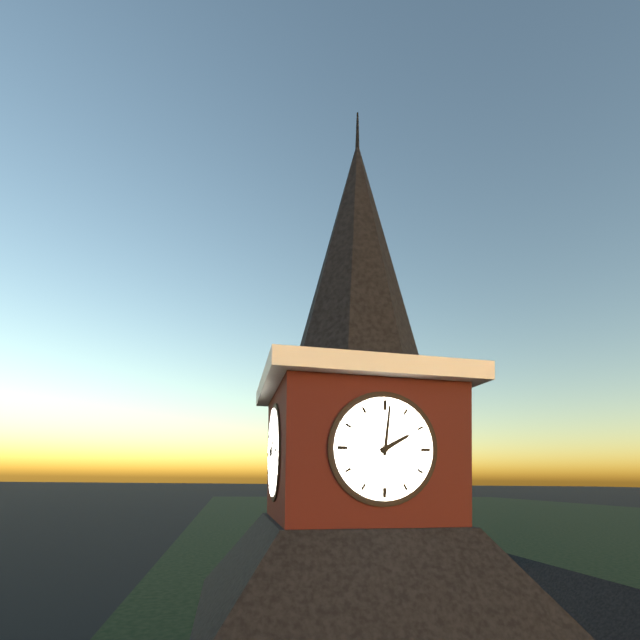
2:01
